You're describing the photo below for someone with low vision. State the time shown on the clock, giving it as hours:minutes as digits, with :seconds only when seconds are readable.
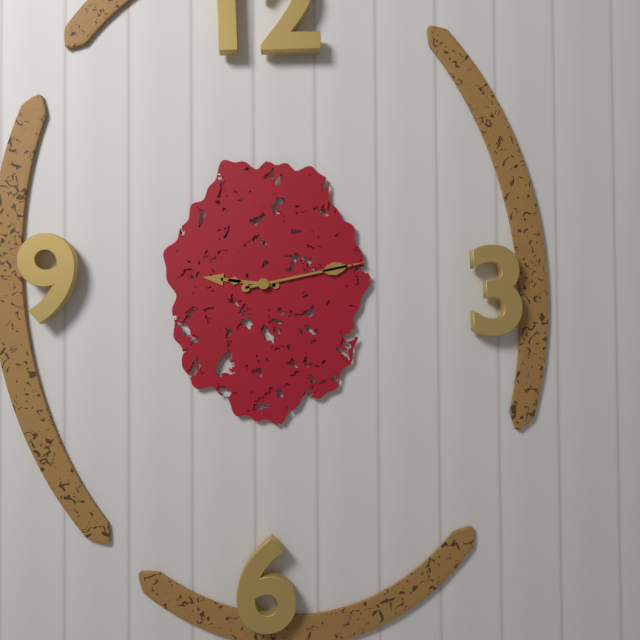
9:13
